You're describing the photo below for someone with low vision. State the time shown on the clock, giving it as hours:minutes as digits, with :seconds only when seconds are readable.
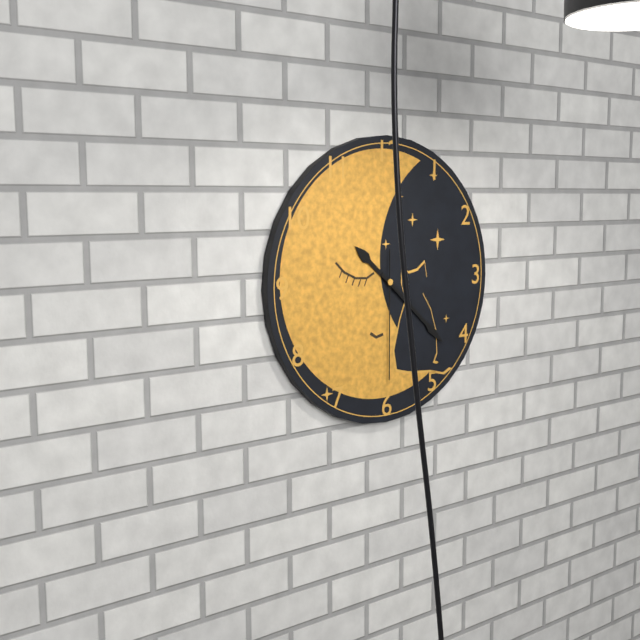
10:22:30
